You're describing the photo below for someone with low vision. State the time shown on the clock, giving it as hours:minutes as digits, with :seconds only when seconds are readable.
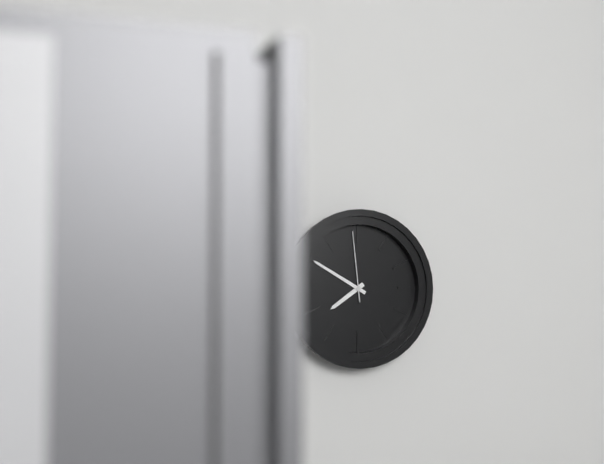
7:50:59
